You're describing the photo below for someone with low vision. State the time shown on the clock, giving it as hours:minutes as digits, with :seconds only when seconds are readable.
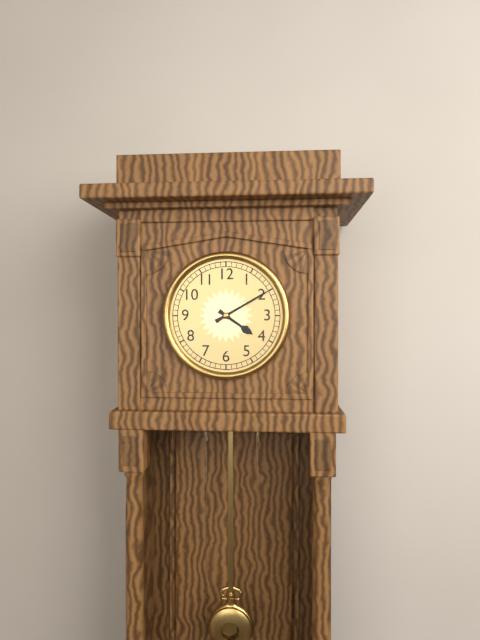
4:10
